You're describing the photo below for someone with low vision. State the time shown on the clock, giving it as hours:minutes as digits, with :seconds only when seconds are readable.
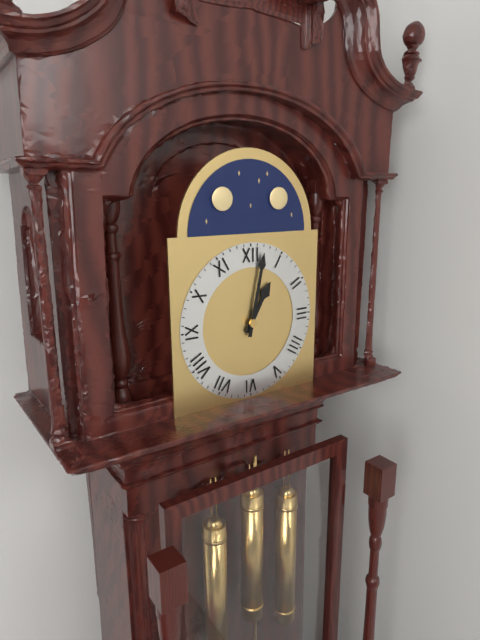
1:02
